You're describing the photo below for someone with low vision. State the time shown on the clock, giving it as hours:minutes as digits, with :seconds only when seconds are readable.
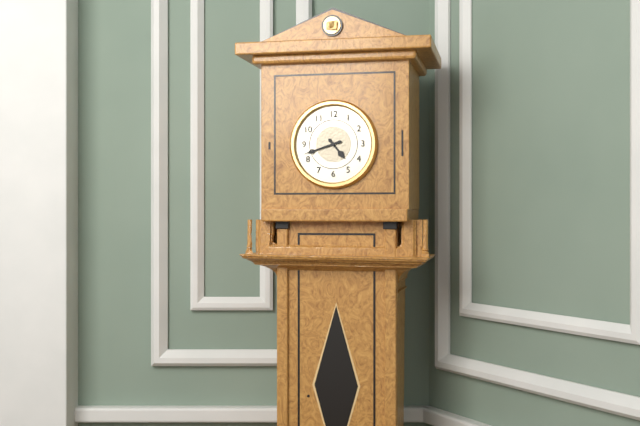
4:42
